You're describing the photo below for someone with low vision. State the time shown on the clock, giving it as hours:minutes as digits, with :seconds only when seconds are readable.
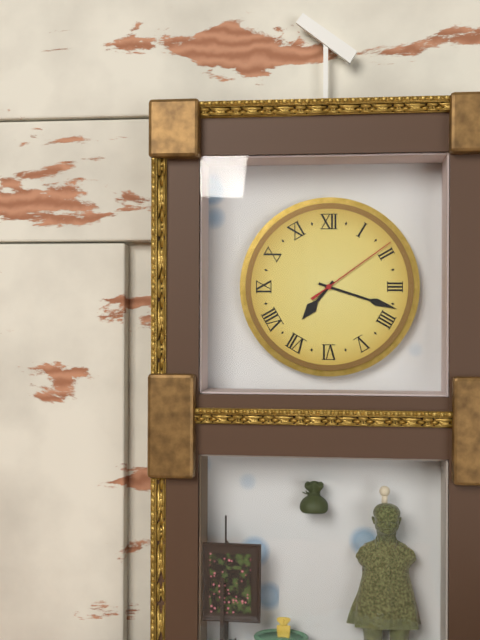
7:18:09
